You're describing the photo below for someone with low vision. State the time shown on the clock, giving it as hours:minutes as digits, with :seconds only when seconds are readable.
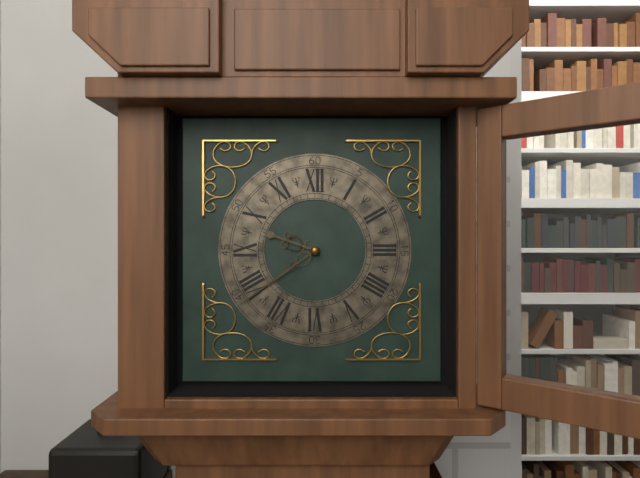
9:39
